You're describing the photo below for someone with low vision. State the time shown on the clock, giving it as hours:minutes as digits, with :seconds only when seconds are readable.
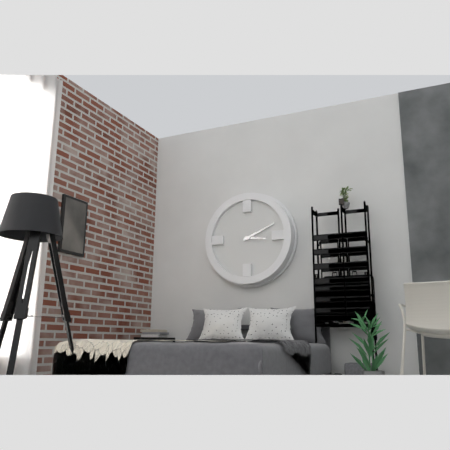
3:11
